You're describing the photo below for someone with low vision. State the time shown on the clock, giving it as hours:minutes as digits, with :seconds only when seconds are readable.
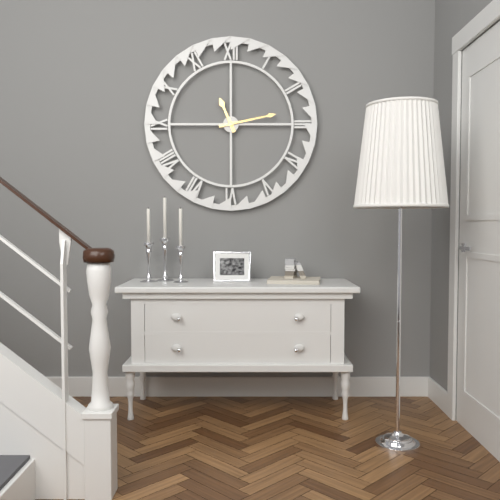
11:13
